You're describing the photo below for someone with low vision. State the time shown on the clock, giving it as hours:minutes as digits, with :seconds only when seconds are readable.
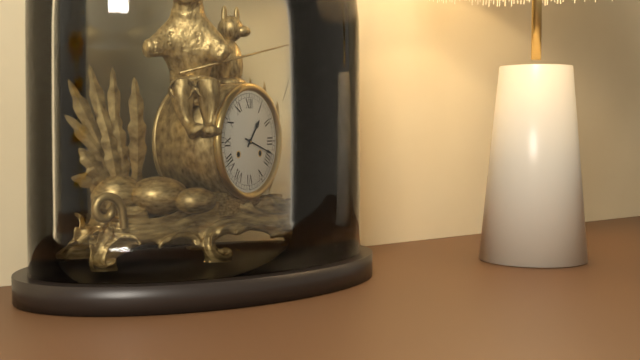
1:18
